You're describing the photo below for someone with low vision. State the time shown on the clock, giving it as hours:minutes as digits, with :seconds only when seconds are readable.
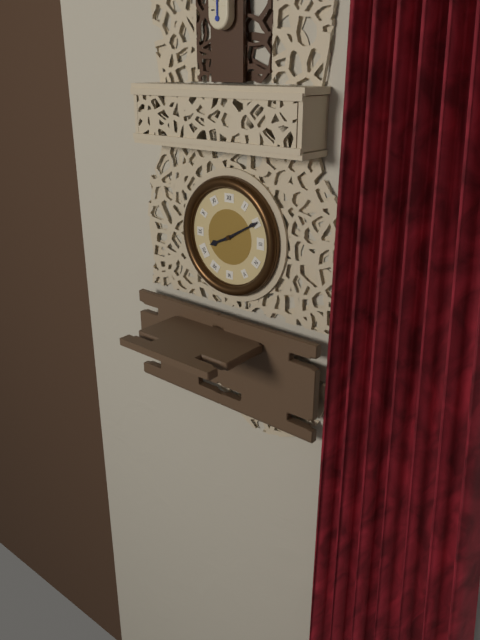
8:10
